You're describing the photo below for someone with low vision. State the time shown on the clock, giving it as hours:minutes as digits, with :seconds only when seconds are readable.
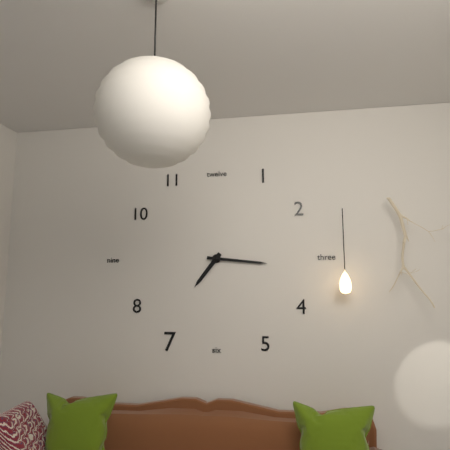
7:16
